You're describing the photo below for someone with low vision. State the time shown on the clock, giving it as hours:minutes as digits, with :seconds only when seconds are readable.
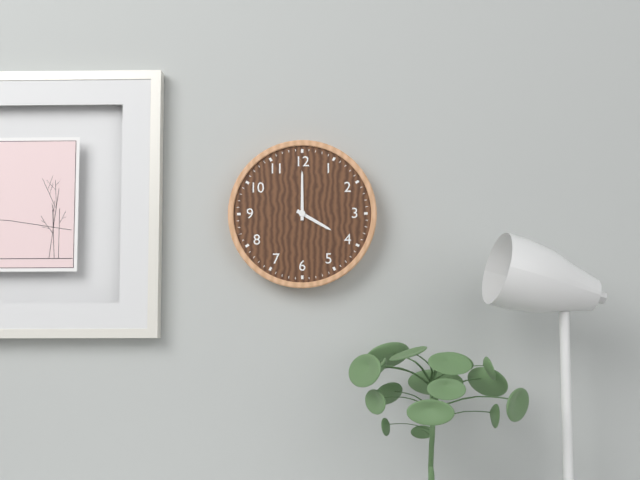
4:00
